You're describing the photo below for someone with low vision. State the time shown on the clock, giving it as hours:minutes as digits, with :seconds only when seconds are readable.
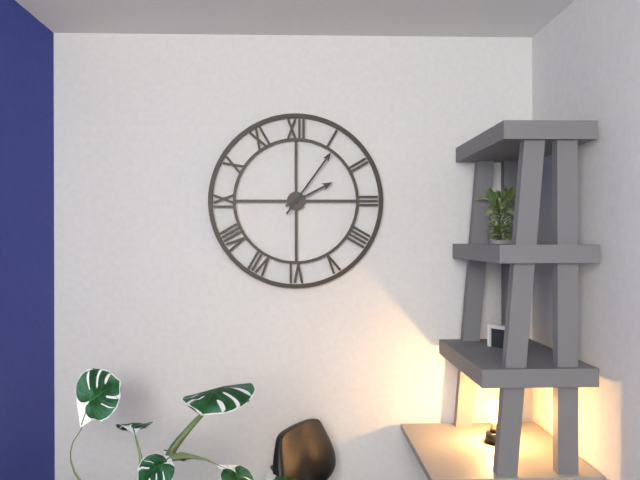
2:06
